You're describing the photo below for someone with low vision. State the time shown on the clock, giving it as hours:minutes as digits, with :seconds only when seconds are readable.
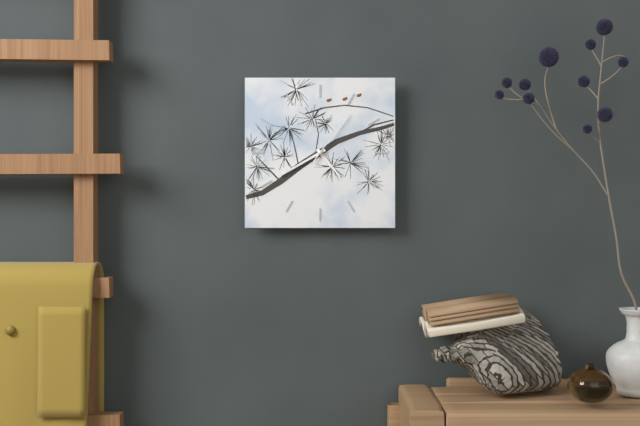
4:40:06
